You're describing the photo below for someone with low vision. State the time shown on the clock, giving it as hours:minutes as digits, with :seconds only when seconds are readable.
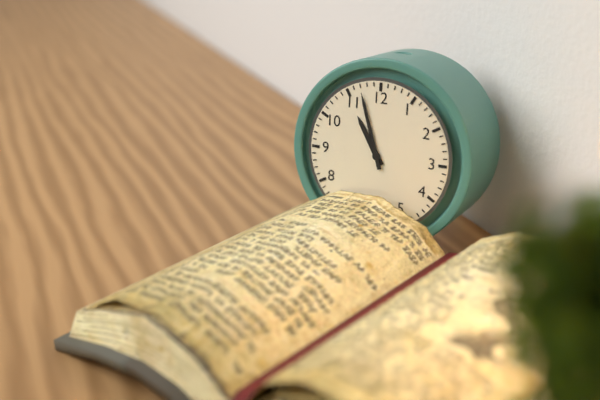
10:57
